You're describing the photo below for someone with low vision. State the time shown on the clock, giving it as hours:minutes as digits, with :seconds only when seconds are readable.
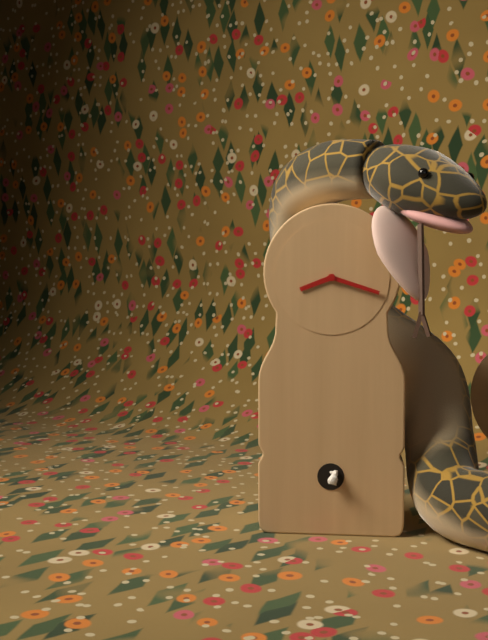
8:18
